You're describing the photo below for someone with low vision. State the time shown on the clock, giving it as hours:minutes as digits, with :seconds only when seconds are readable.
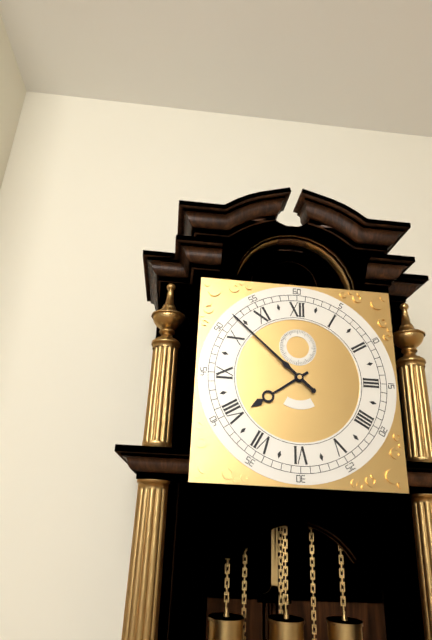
7:52
